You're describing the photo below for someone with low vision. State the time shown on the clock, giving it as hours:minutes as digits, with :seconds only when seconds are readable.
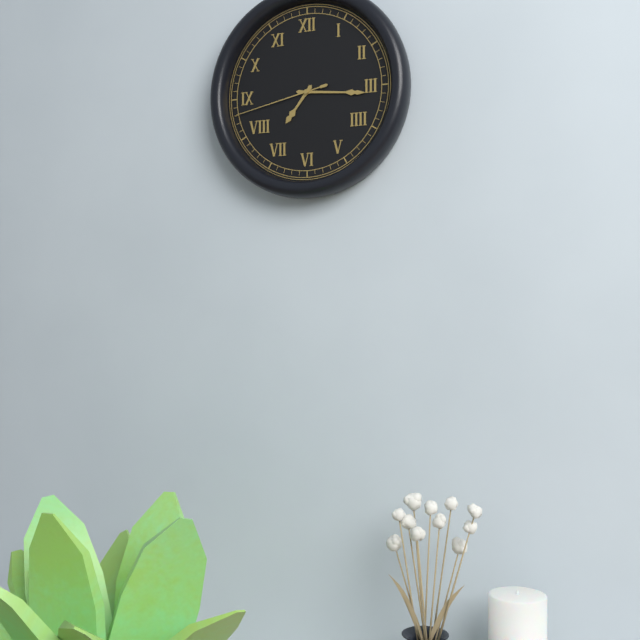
7:16:43
